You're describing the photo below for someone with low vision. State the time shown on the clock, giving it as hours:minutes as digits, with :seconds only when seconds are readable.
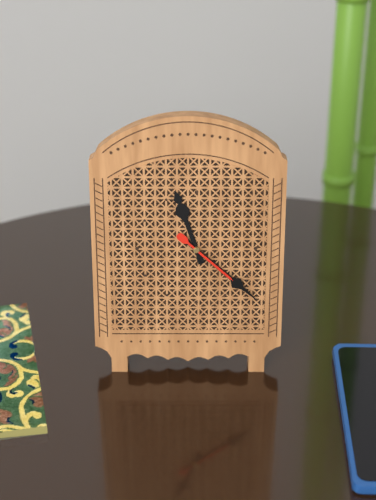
11:22:22
